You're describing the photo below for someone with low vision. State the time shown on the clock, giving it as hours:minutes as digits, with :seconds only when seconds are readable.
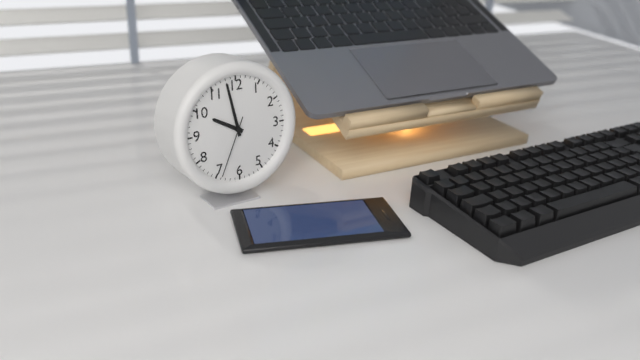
9:58:34
